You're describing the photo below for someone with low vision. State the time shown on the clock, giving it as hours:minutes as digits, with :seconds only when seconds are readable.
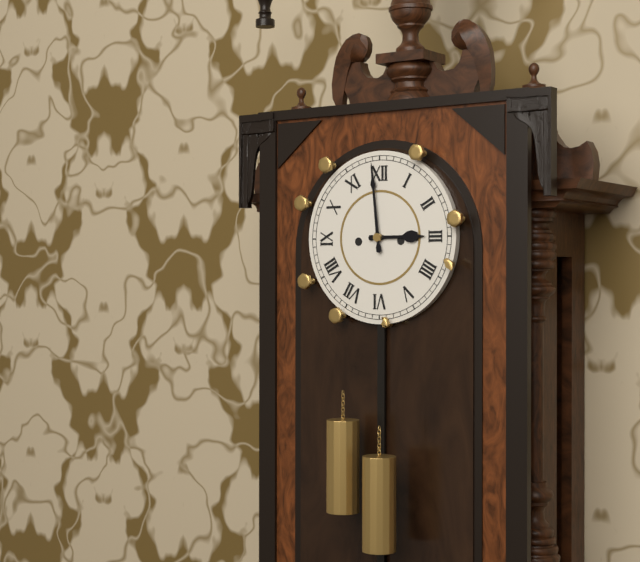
2:59
